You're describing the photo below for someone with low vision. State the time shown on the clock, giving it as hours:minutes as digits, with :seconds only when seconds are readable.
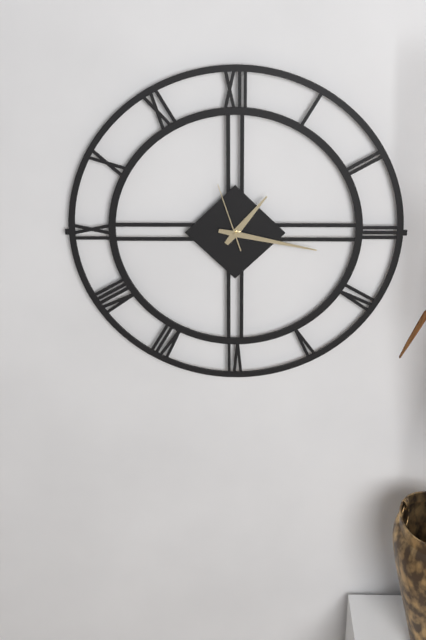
1:17:57
